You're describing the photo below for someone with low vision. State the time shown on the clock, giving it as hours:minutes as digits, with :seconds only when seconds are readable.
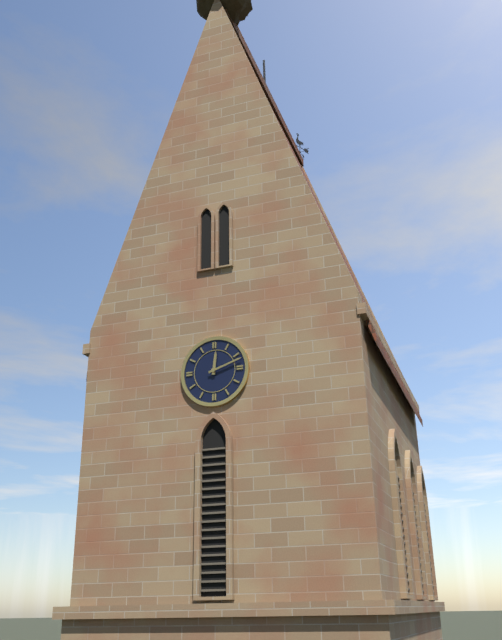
12:12
